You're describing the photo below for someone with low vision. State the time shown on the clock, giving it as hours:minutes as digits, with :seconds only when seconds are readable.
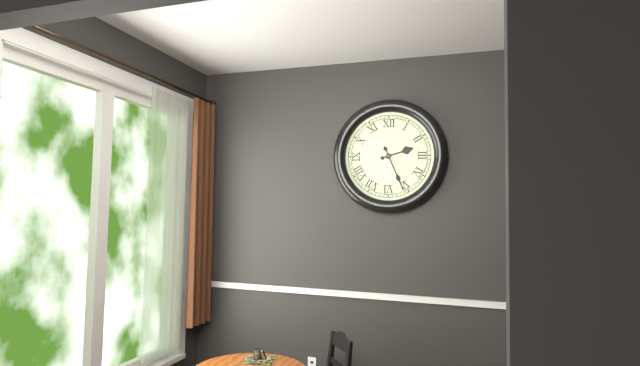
2:26
